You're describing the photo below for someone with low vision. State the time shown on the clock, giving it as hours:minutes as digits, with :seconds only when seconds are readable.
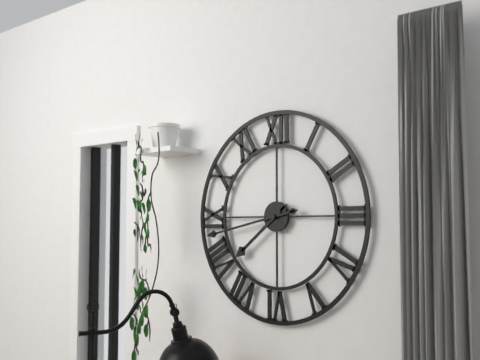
7:43
